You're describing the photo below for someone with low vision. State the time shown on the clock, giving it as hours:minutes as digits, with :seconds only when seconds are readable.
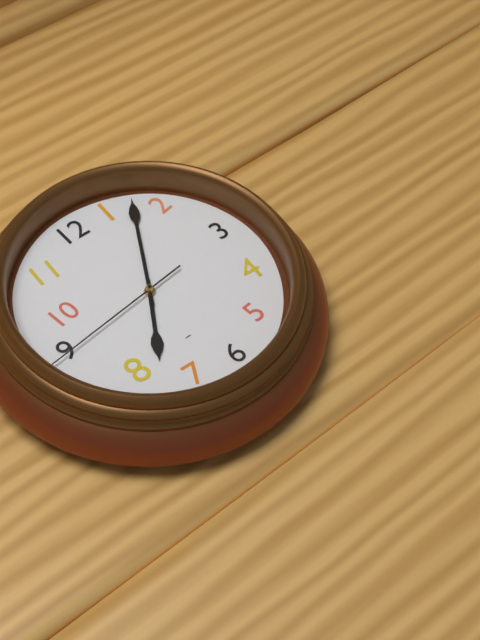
7:05:44
